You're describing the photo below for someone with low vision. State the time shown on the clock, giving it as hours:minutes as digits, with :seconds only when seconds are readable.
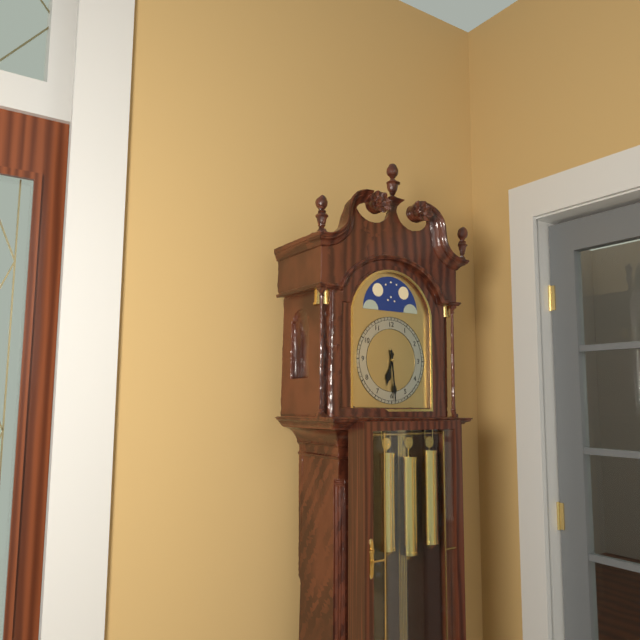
6:29
